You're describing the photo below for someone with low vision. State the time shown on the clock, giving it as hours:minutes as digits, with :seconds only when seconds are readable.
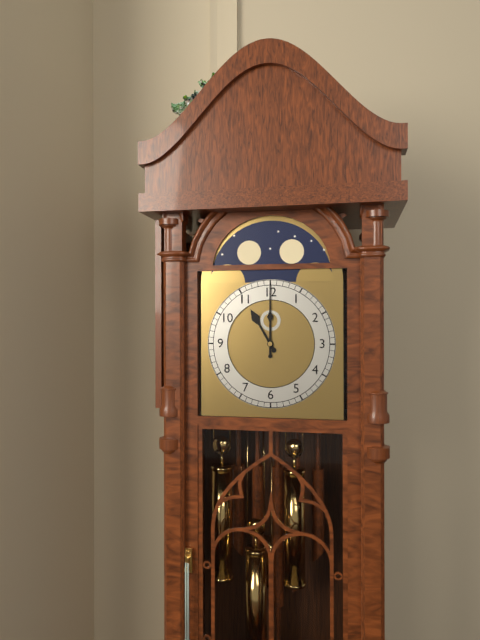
11:00
